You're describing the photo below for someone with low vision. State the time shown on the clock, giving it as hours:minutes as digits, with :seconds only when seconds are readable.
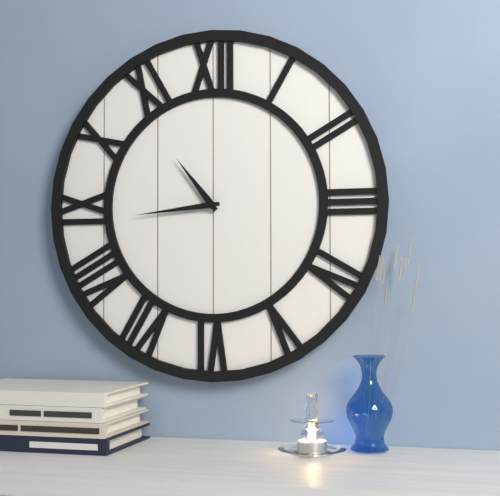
10:44
